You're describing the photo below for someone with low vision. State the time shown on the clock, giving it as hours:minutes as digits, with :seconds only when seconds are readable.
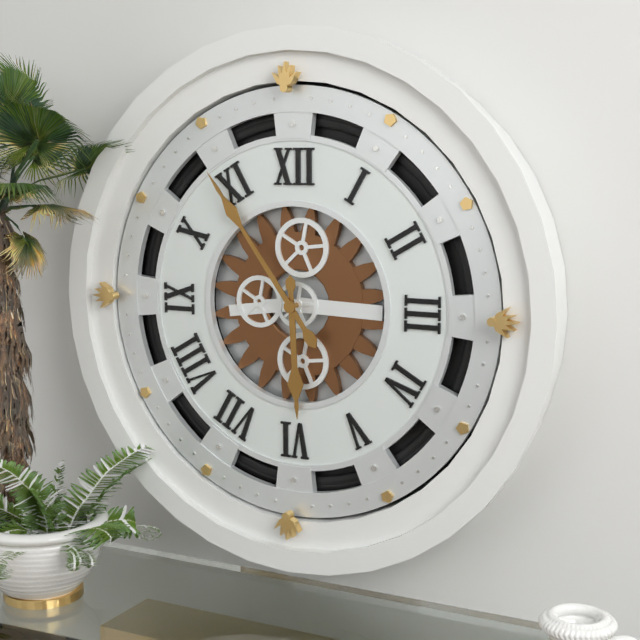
5:54
